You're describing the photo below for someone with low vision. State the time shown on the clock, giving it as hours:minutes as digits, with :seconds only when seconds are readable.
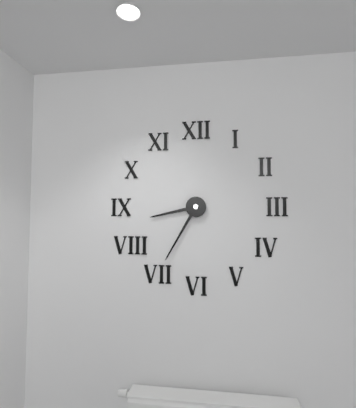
8:35
